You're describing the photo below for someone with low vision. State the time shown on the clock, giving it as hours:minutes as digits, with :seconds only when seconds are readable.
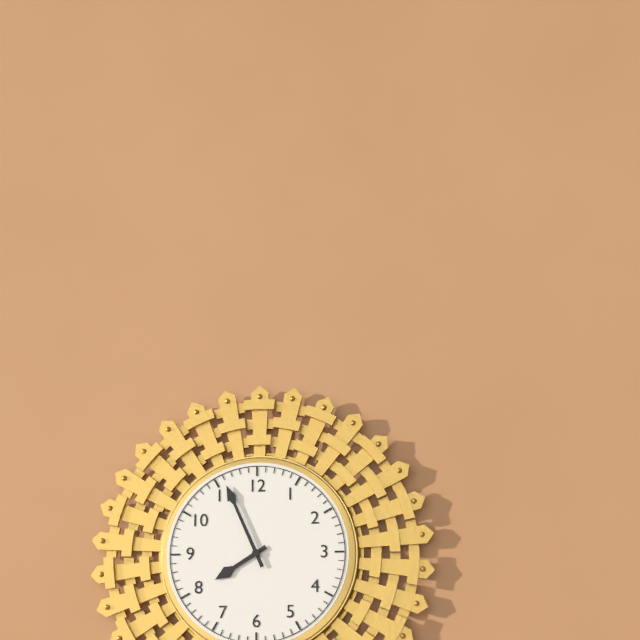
7:56
